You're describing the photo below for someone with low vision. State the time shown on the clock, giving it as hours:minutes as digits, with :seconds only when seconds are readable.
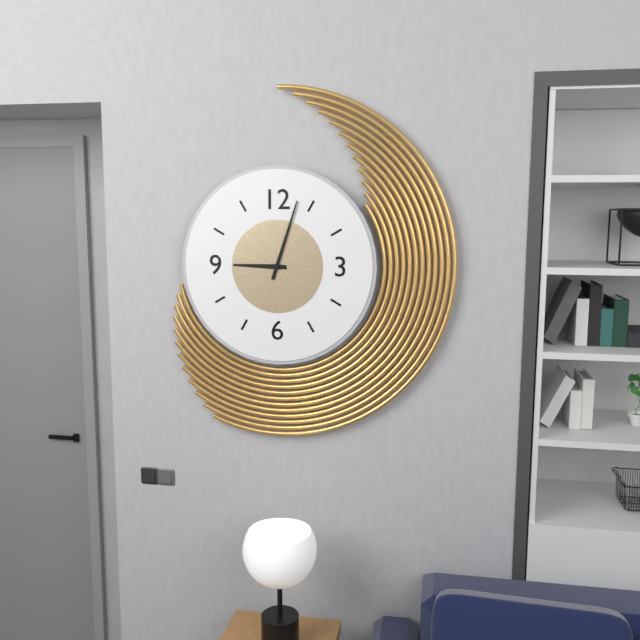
9:03
